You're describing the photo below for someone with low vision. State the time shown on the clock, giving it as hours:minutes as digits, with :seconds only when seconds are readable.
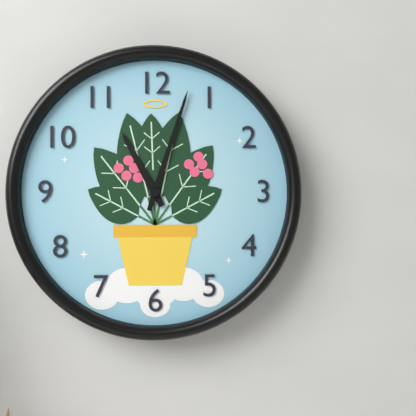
11:03
